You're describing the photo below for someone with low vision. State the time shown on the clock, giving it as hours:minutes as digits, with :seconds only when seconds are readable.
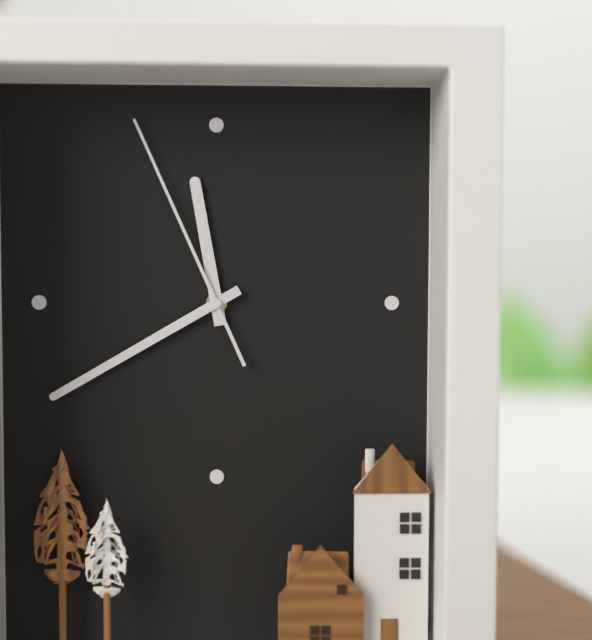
11:40:56
